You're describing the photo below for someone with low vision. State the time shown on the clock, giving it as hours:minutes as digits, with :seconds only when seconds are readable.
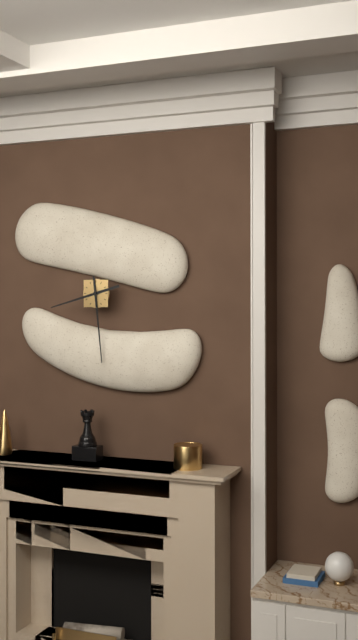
8:29
